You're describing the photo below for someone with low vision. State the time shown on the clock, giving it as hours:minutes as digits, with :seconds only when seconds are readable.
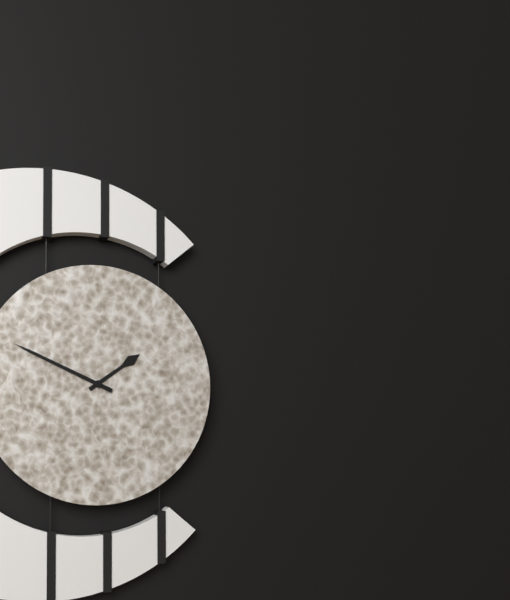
1:49
